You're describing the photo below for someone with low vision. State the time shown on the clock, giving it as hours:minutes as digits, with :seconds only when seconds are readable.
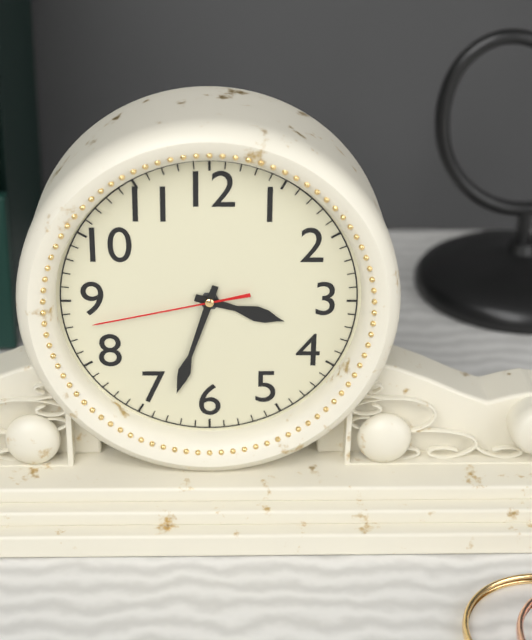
3:33:43
